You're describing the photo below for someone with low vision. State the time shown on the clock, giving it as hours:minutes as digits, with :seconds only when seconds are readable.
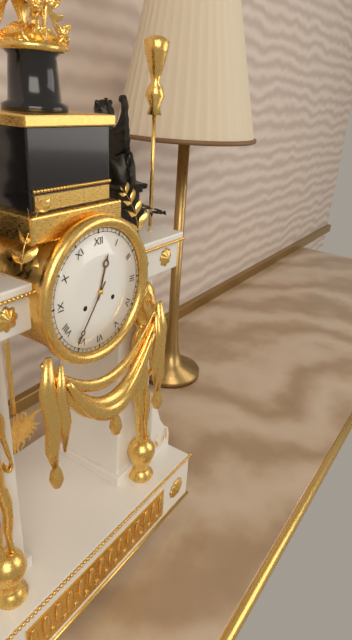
12:36
